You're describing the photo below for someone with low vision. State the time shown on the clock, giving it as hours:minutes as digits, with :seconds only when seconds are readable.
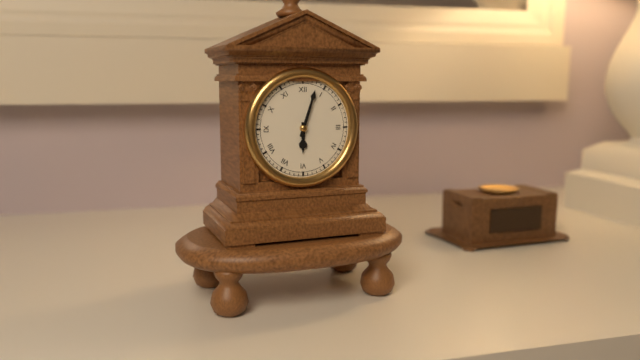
6:03
